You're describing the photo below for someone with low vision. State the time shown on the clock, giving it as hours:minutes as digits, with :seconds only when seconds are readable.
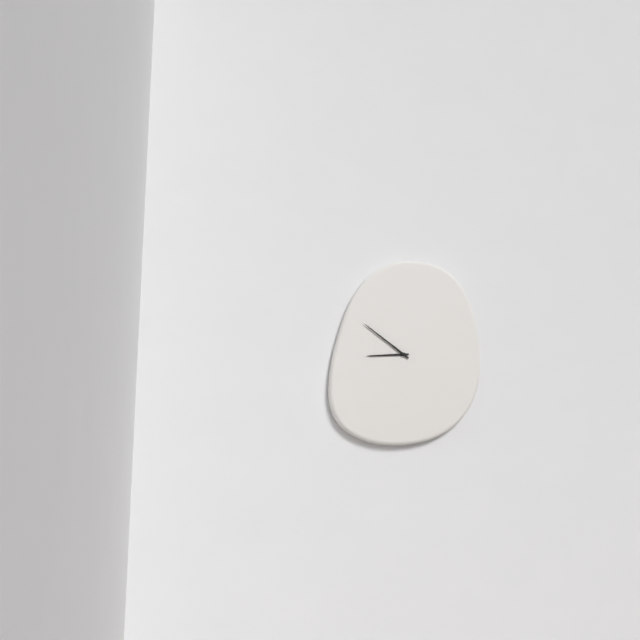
8:51
